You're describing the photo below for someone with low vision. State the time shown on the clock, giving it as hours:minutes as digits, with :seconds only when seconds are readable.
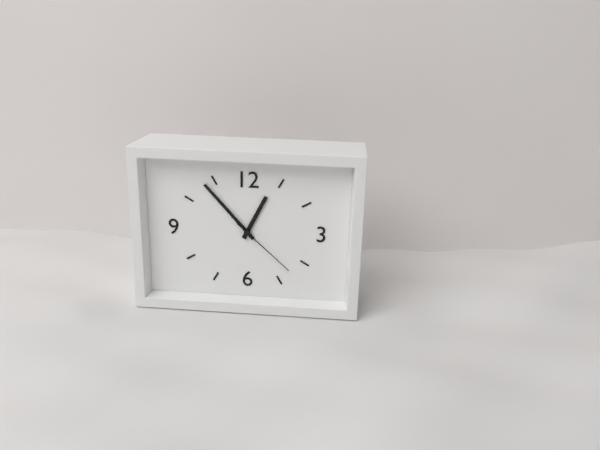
12:53:22
